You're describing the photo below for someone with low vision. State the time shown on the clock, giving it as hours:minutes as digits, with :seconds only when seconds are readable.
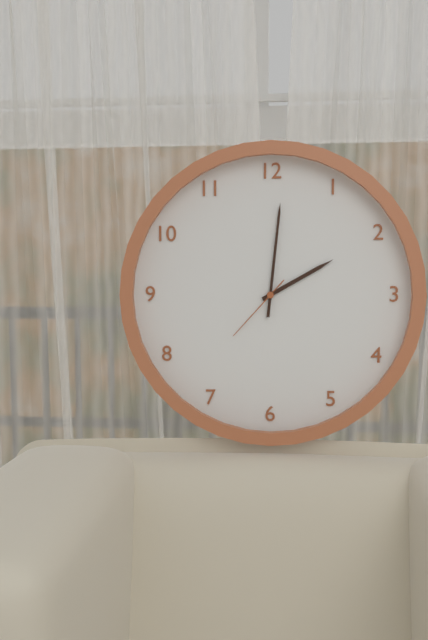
2:01:37
